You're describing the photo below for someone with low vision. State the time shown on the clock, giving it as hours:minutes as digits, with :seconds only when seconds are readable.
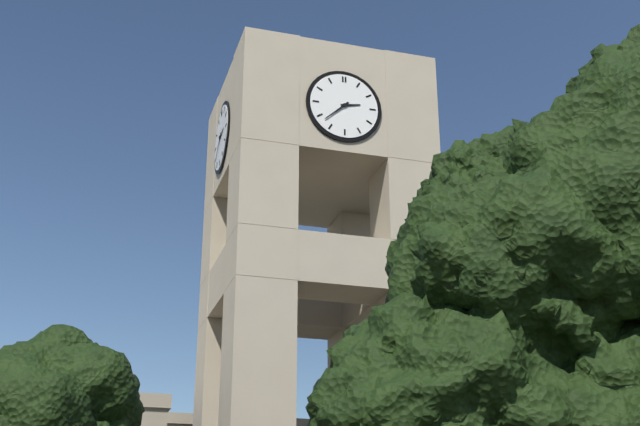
2:38
